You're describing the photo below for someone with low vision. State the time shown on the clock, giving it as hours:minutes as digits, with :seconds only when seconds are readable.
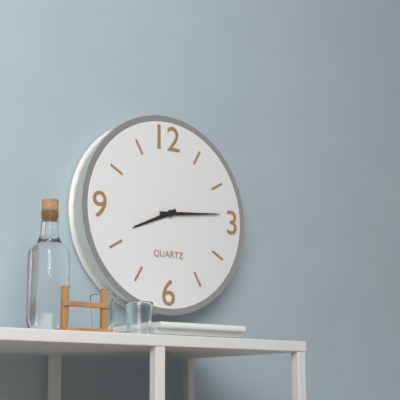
8:14
